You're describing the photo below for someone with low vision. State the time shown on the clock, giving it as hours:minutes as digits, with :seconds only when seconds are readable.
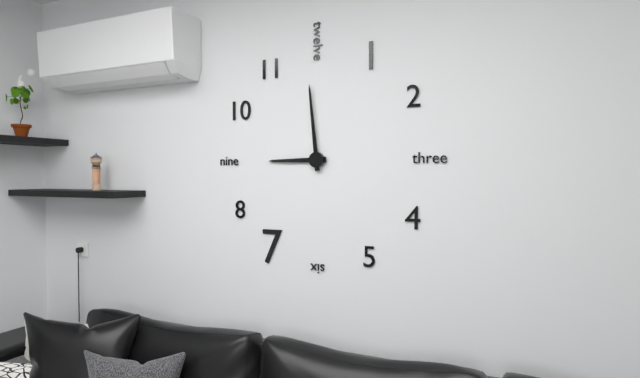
8:59
